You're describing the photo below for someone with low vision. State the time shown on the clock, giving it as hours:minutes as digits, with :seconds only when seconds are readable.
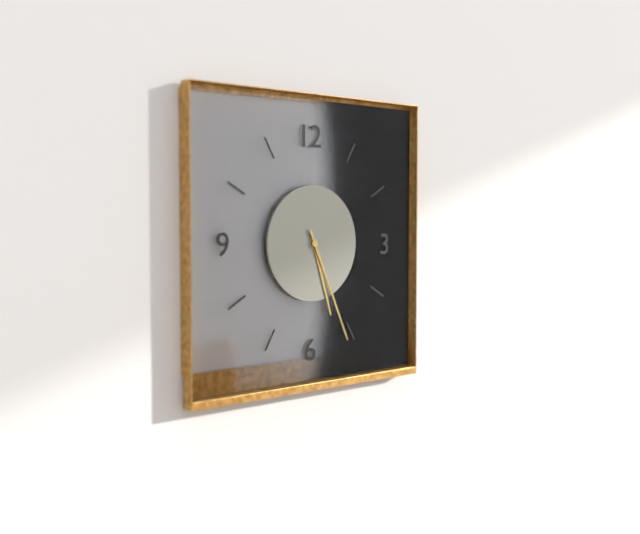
5:26
